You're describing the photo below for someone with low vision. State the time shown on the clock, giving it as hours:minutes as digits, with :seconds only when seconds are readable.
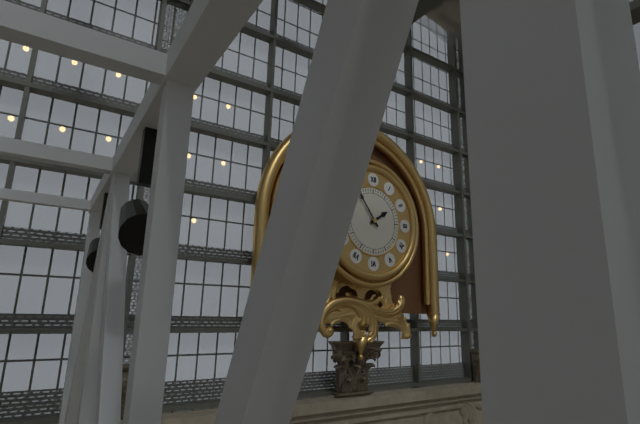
1:54
